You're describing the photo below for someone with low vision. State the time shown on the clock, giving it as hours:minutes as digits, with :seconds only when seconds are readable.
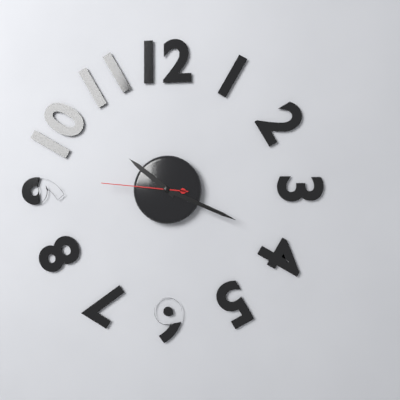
10:19:46
